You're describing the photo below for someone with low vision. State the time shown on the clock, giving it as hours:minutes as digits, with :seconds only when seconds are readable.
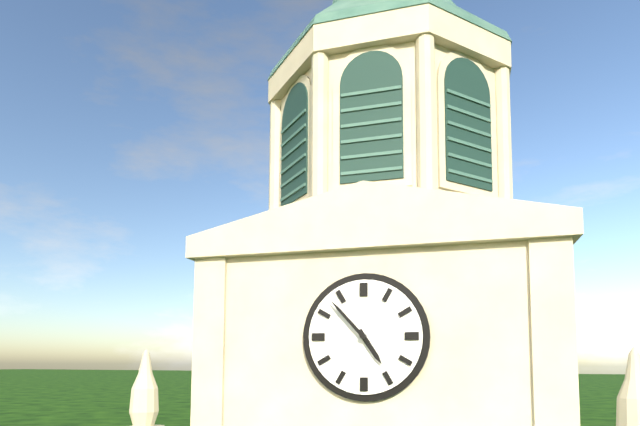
4:53
